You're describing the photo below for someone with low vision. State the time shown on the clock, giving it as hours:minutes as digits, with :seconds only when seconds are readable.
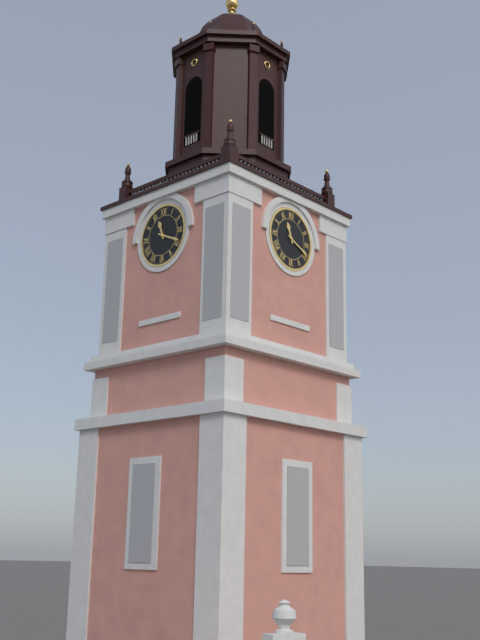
11:19
